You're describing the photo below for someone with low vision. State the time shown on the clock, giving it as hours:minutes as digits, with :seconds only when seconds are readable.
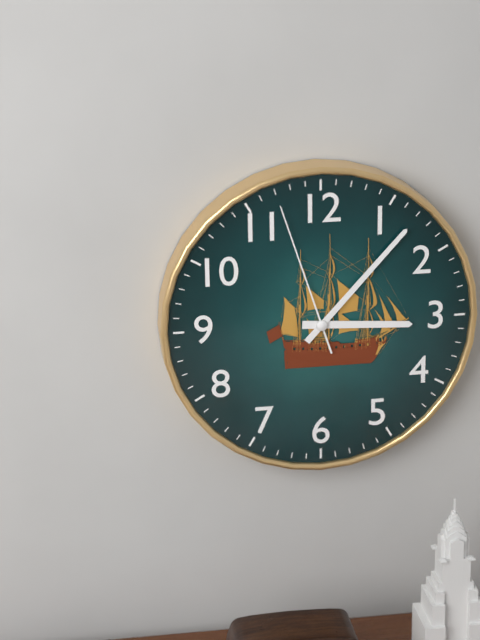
3:07:57
